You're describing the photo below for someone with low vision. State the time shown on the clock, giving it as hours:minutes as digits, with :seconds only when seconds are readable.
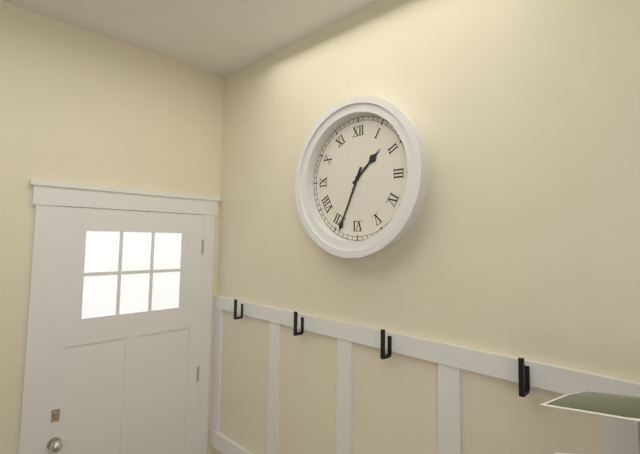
1:34
